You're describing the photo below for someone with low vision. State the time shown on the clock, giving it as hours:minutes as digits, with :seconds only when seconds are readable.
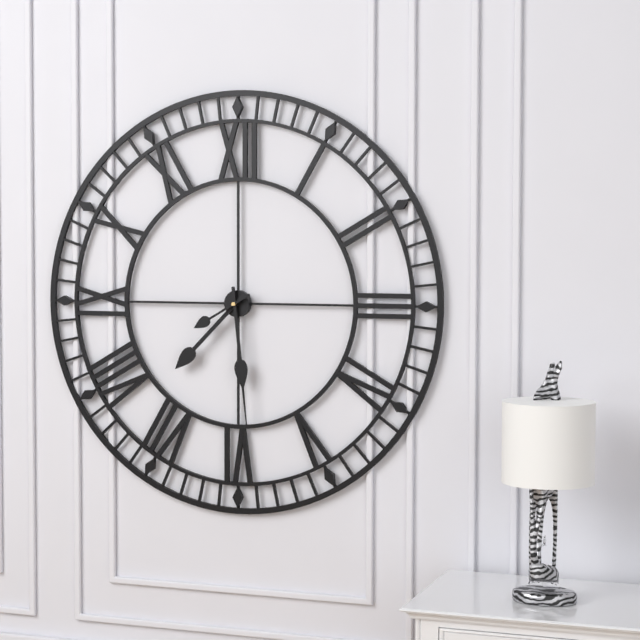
7:29:40
